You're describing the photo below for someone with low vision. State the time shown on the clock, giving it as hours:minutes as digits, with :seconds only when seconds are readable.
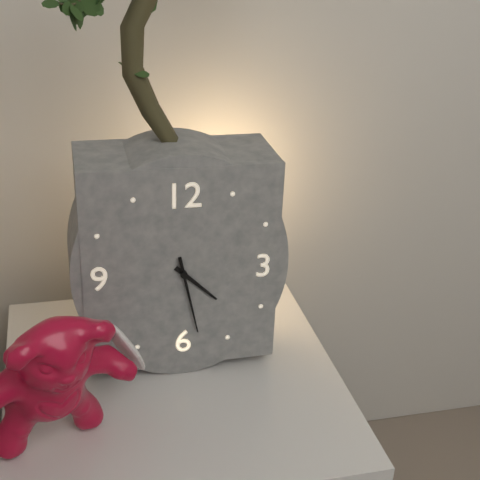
4:28
